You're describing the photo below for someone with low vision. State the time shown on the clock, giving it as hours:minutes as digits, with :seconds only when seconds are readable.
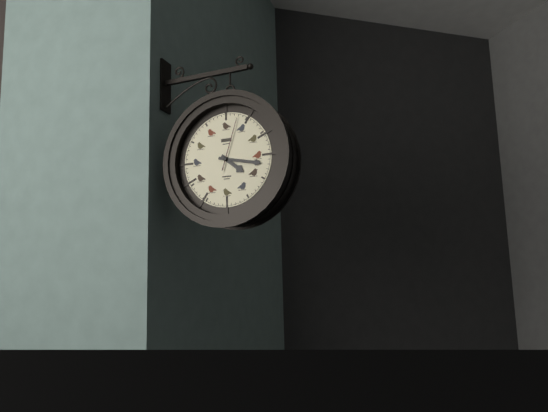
4:17:03
